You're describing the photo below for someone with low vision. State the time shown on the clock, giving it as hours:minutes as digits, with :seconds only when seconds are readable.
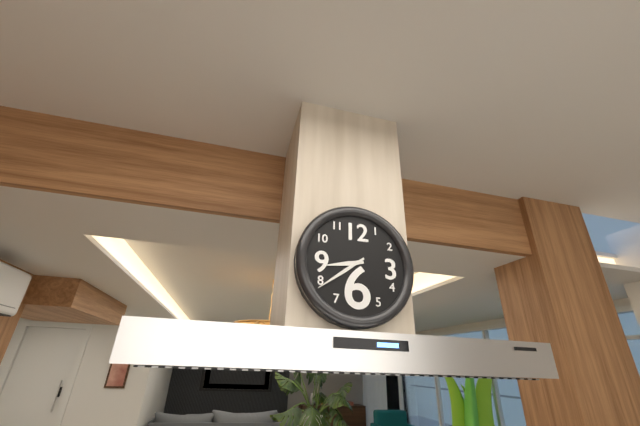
8:39
